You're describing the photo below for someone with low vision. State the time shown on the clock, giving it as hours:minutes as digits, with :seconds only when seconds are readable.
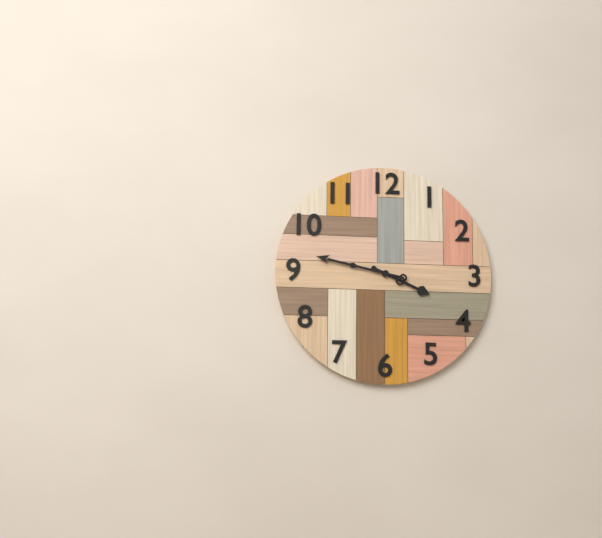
3:47
